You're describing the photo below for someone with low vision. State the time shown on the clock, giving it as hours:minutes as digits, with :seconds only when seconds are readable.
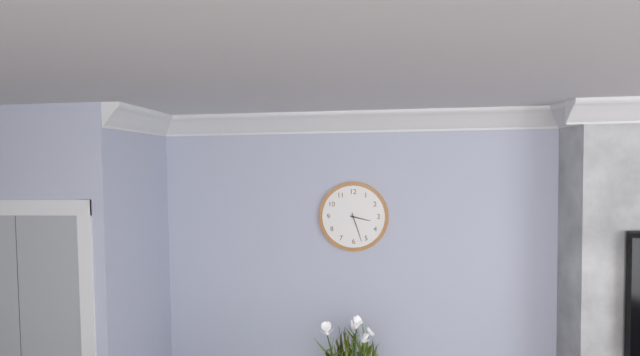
3:27
